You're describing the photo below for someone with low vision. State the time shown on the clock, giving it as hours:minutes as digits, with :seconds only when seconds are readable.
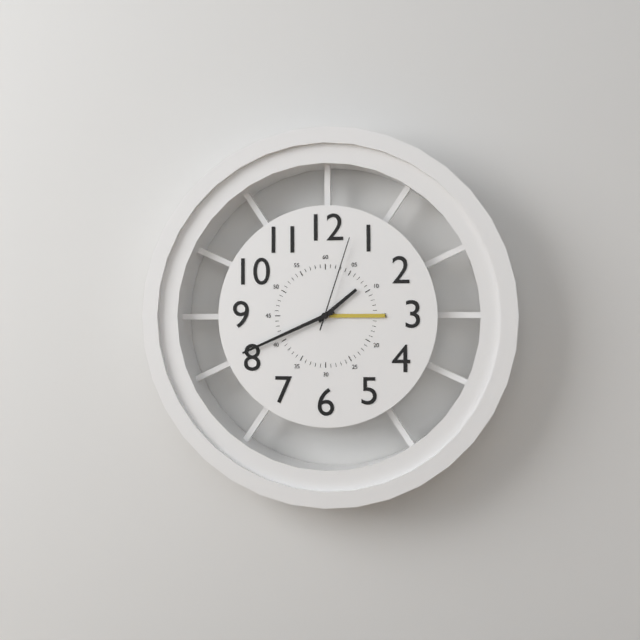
1:41:03
